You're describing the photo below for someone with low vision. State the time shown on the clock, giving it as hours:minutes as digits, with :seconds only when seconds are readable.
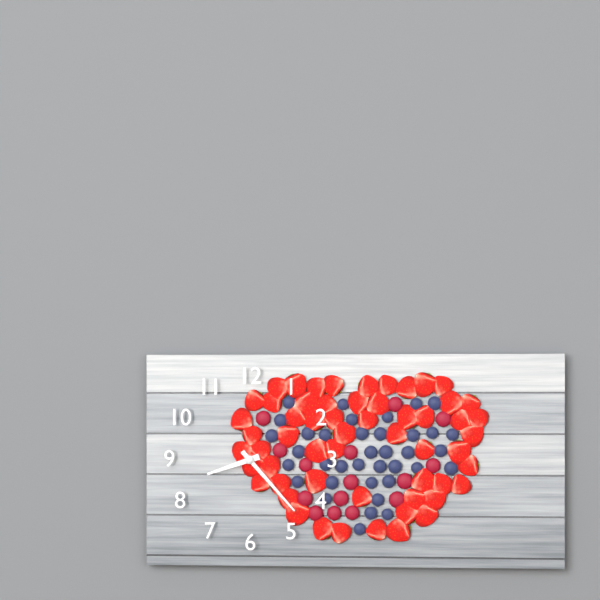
8:23
